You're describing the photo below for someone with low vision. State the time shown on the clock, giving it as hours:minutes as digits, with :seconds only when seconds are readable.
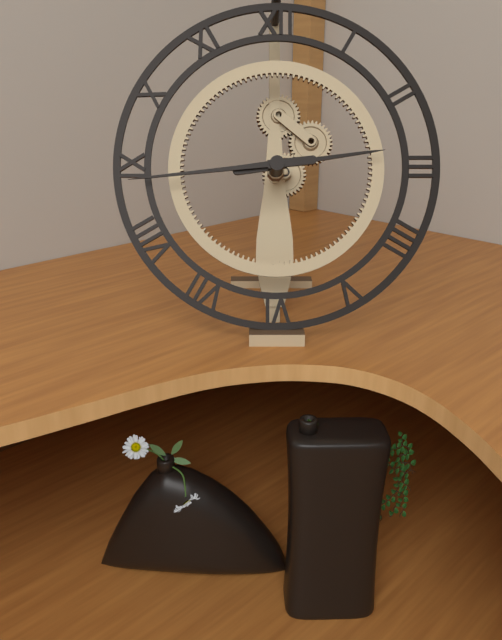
2:44
